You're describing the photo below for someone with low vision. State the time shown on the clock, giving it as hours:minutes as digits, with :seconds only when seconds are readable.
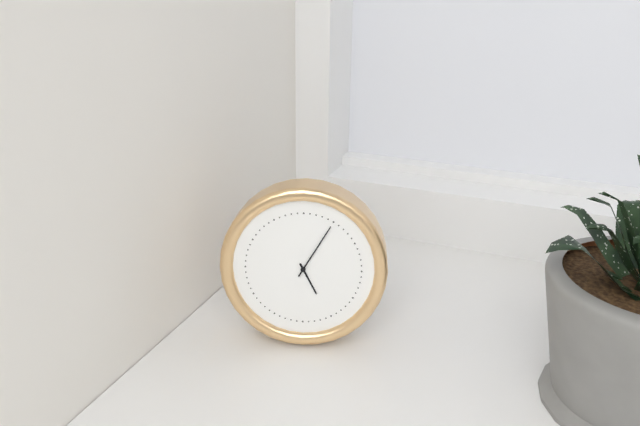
5:05
